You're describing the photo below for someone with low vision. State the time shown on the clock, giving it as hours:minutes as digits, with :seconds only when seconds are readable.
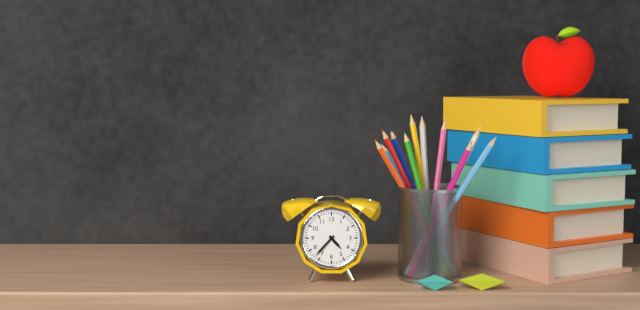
4:37
